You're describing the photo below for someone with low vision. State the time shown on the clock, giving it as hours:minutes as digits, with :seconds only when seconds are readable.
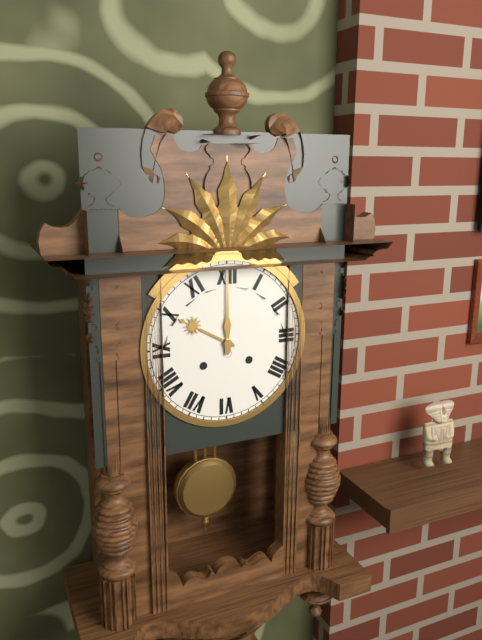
10:00
